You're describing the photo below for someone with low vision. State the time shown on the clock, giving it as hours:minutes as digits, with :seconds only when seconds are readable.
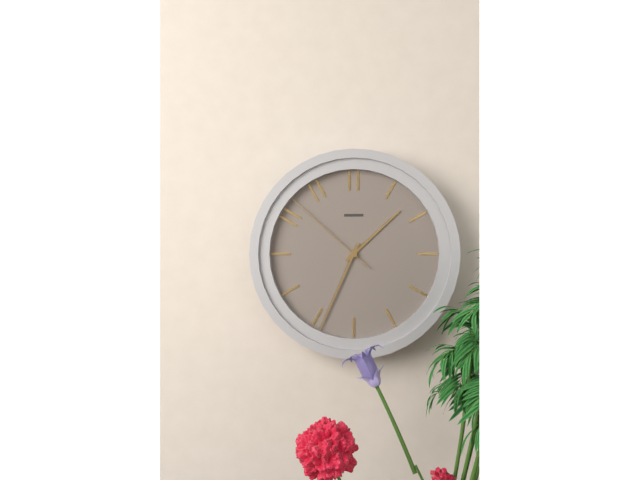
1:34:52
